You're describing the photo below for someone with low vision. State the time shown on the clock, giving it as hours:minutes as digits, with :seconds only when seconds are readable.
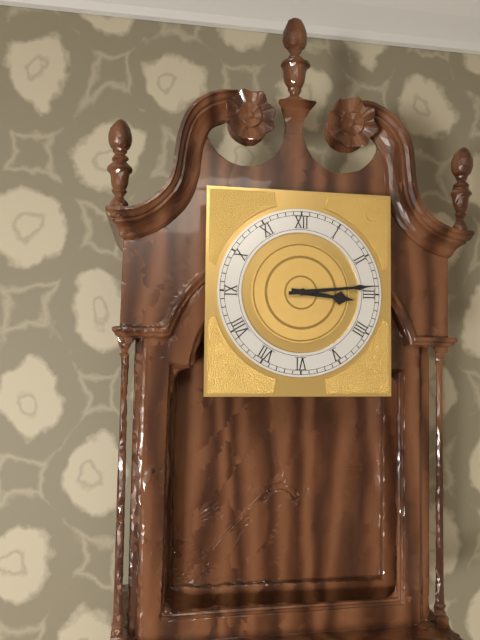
3:14
